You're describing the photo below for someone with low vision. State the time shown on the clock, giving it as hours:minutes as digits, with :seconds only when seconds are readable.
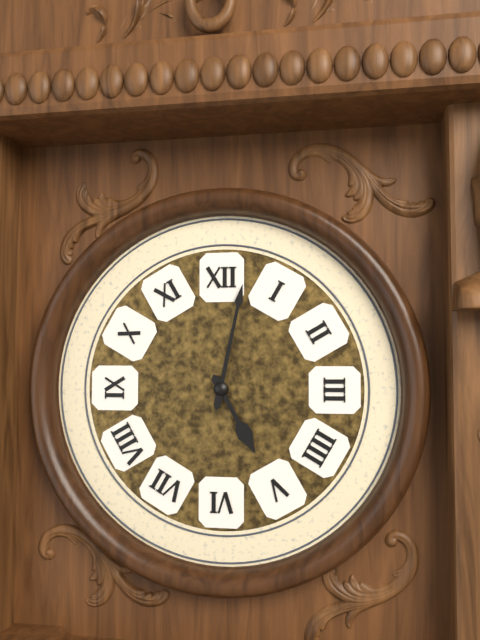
5:02
